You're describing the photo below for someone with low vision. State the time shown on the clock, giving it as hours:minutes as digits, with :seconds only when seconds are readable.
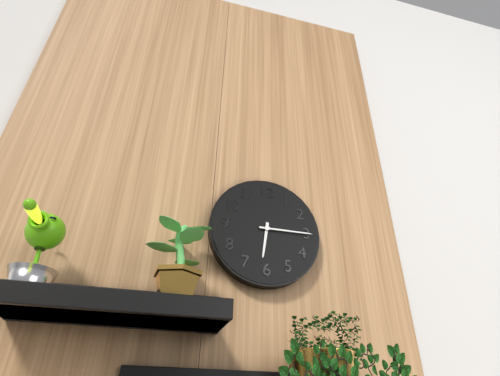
6:15
